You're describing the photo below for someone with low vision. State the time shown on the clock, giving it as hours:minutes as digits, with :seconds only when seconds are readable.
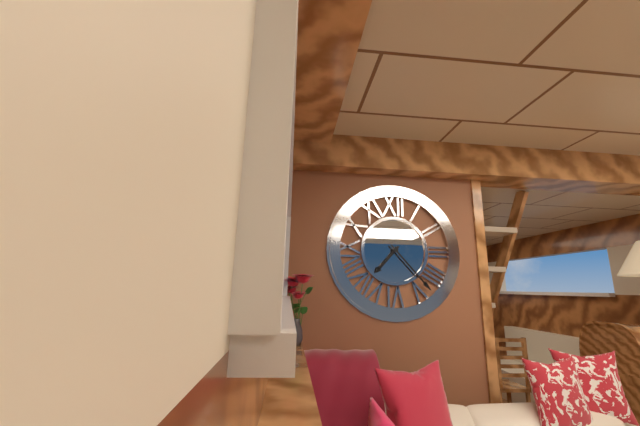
7:23
